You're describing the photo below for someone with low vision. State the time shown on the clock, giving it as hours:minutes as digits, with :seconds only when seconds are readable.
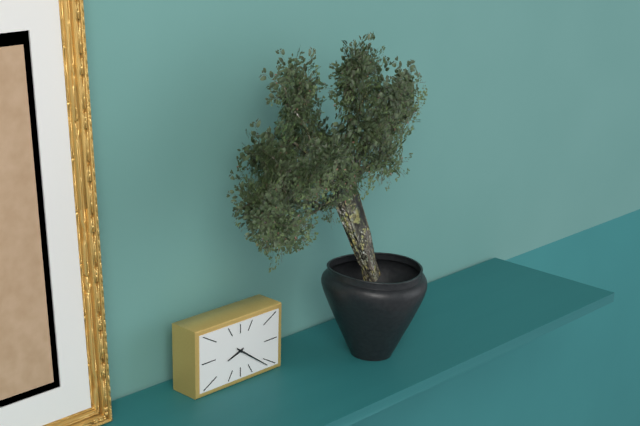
8:21
